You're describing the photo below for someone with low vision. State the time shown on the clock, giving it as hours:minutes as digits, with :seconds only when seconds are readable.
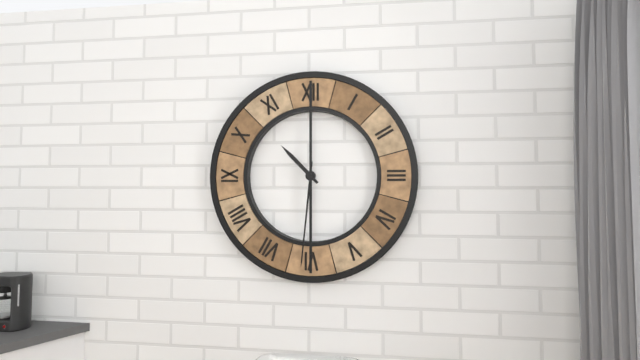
10:31
